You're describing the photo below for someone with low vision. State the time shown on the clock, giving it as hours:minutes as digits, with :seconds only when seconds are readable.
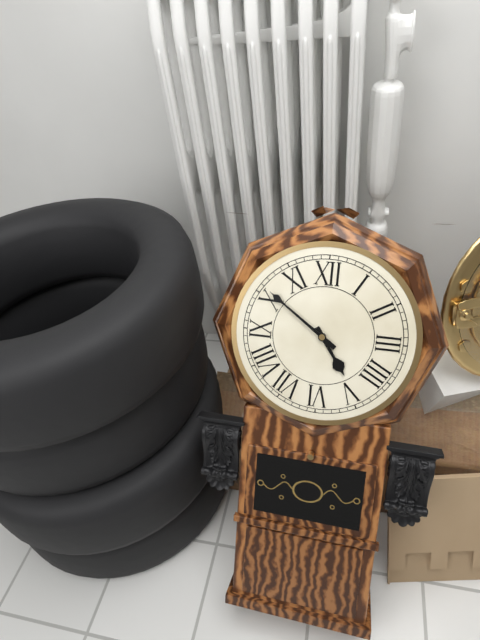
4:51
